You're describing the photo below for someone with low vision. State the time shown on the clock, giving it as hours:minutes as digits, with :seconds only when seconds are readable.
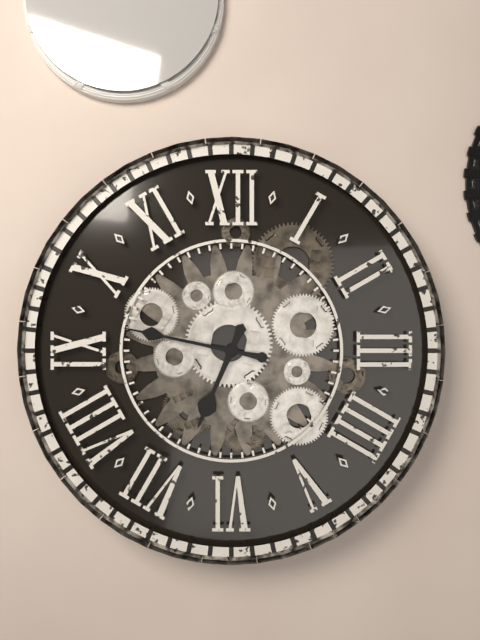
6:47
